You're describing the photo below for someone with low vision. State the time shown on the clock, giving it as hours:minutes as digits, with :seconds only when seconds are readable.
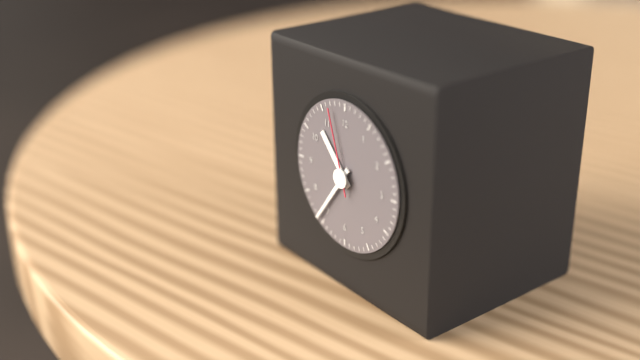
10:36:57
